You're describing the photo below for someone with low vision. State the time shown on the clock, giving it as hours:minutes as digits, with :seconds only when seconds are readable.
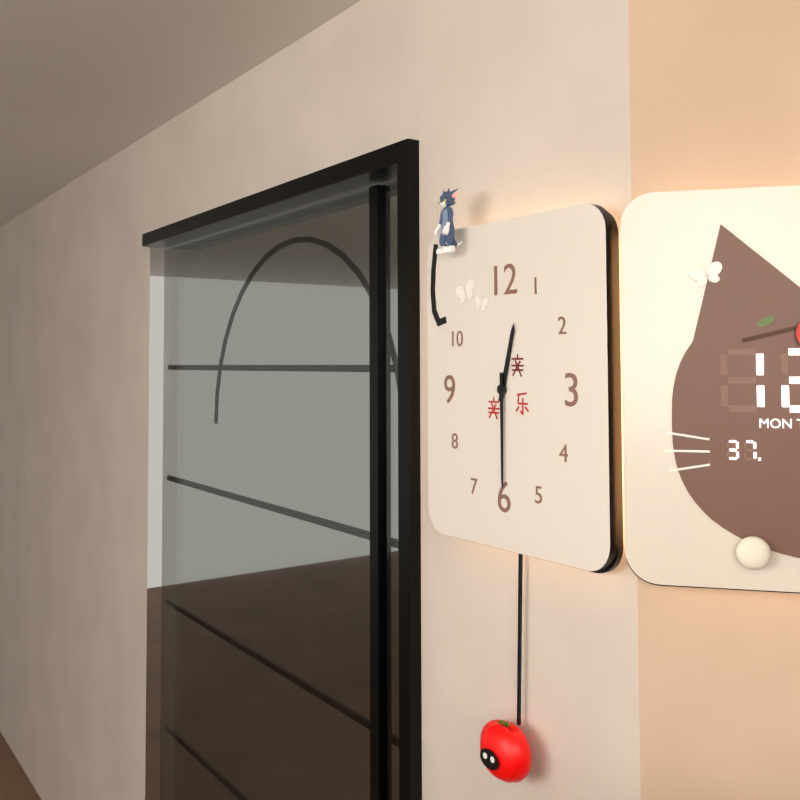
12:30
